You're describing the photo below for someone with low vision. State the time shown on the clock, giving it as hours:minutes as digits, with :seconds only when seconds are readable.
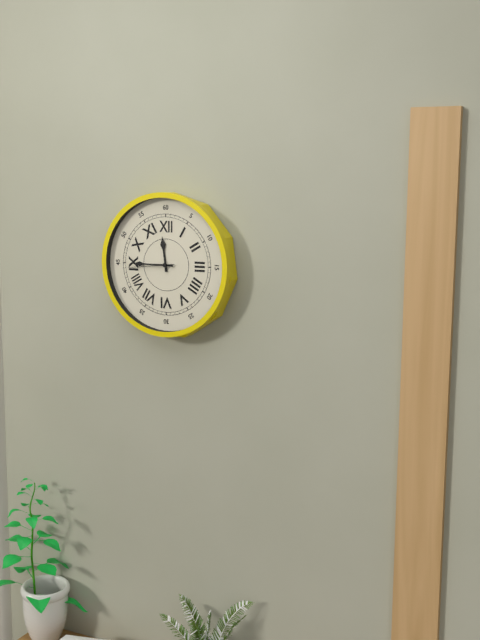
11:45
